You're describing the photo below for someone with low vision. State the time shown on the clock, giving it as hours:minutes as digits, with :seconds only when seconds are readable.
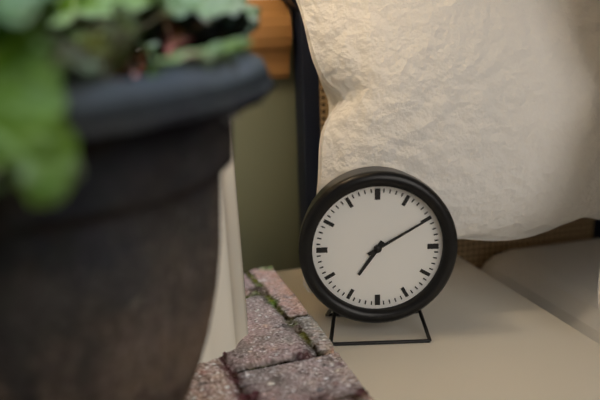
7:10
